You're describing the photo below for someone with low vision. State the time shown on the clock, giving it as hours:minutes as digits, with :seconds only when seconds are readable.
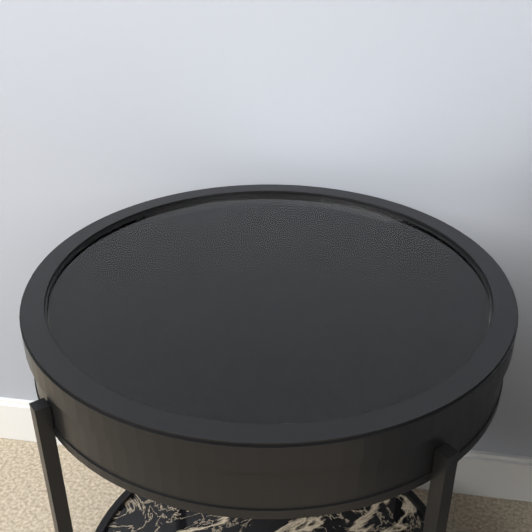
8:44
